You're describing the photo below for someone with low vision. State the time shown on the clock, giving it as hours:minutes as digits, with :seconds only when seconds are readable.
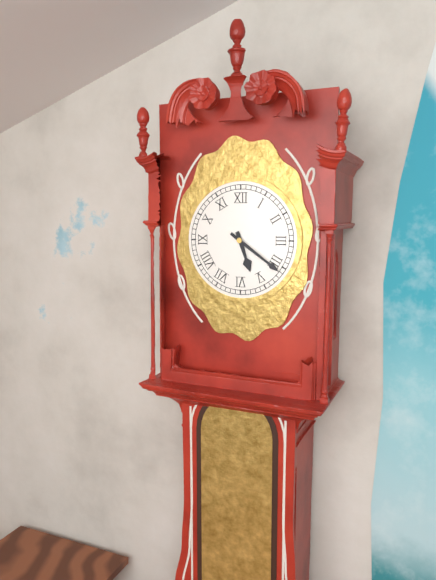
5:21
